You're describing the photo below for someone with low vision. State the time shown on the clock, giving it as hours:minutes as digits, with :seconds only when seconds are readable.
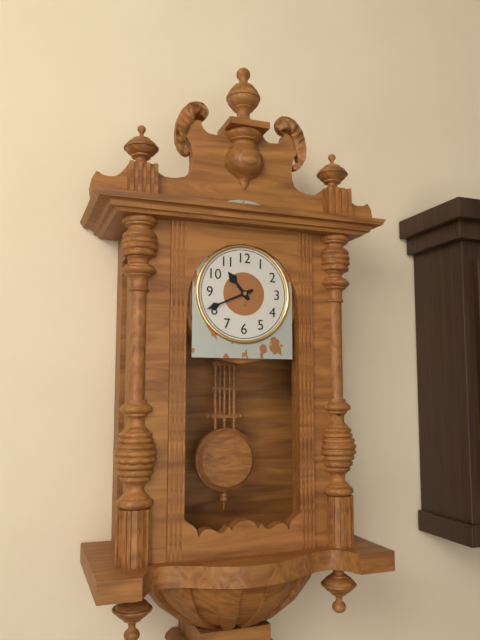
10:41
